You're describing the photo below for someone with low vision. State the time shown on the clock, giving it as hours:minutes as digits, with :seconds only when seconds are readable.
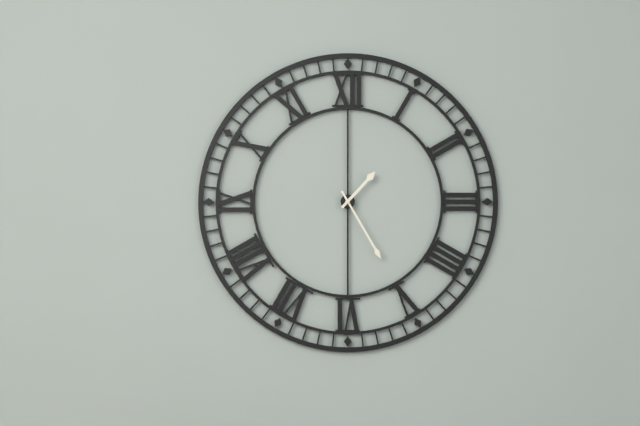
1:25
